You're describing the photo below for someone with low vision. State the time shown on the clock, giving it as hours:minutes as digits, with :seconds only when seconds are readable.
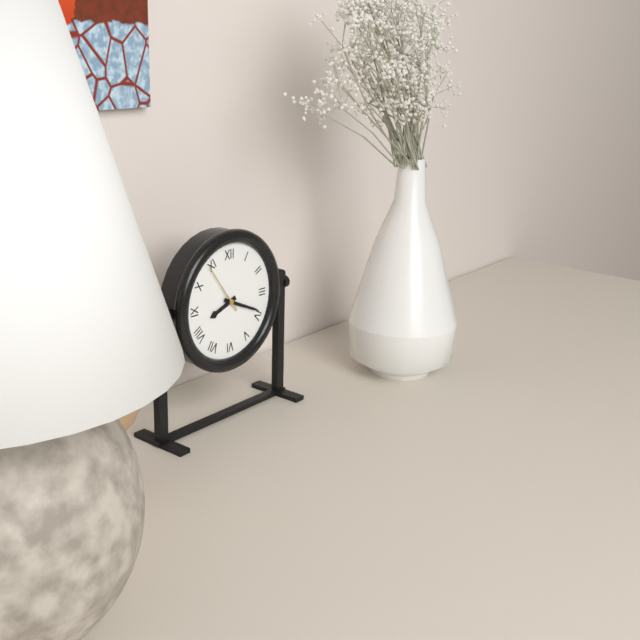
8:19:54
